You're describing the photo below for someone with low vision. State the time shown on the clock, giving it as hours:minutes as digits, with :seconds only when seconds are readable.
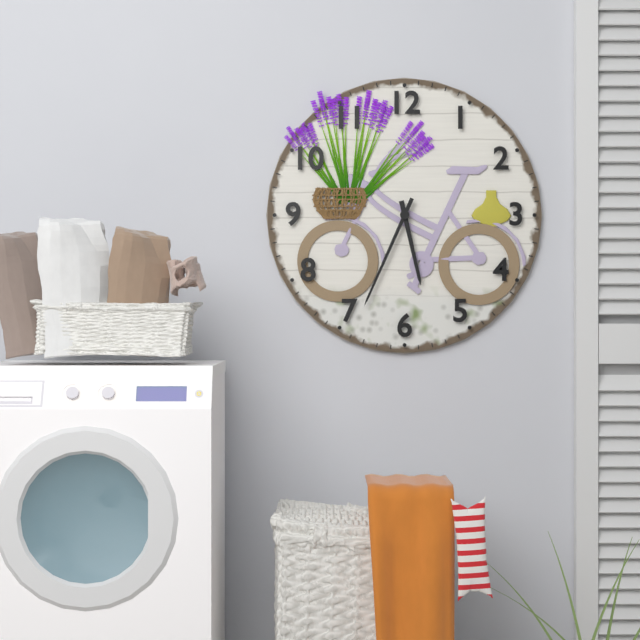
5:34
